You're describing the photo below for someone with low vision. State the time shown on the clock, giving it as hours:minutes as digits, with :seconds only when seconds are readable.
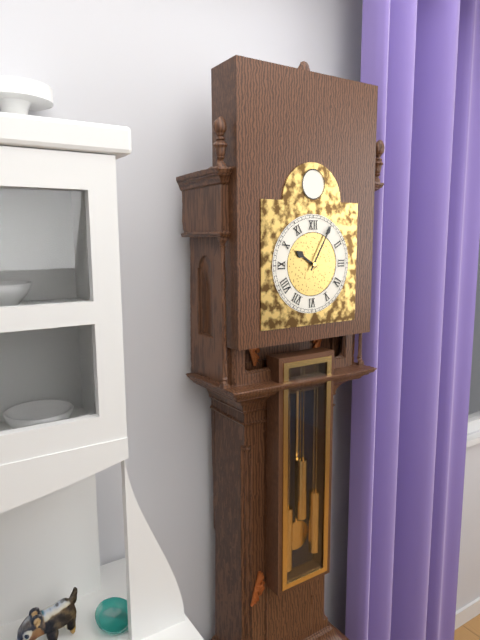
10:05
